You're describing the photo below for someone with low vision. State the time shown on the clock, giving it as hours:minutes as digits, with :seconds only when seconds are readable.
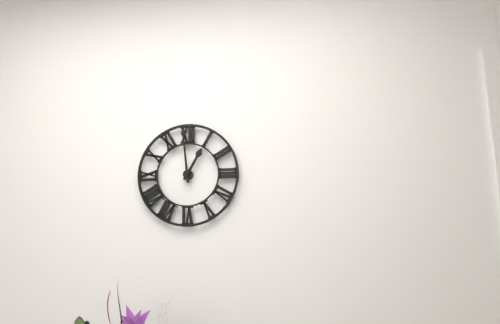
12:59
